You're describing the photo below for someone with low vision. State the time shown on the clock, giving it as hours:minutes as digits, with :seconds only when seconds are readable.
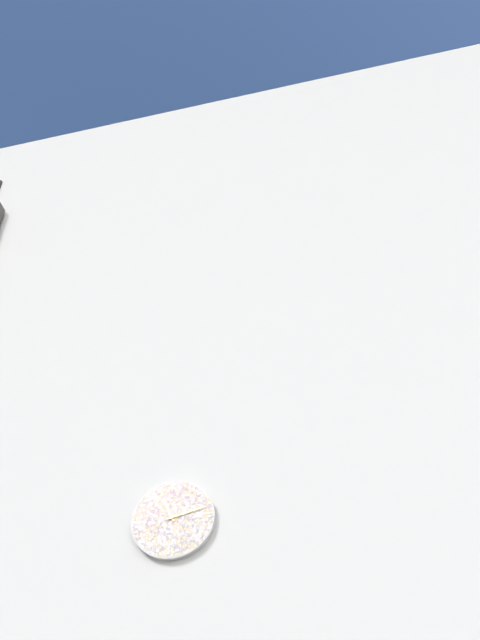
11:13
